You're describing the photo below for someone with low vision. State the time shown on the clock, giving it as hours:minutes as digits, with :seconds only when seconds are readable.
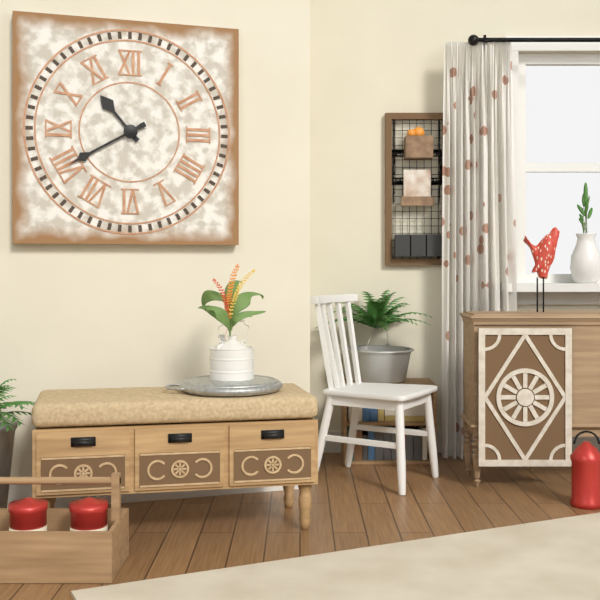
10:40
